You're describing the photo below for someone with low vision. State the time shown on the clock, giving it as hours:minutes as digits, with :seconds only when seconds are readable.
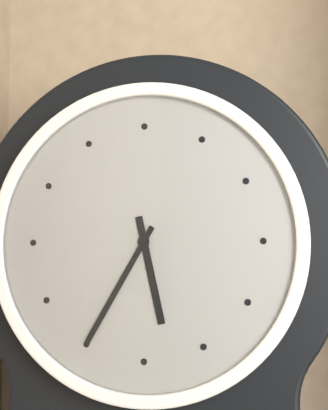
5:35
